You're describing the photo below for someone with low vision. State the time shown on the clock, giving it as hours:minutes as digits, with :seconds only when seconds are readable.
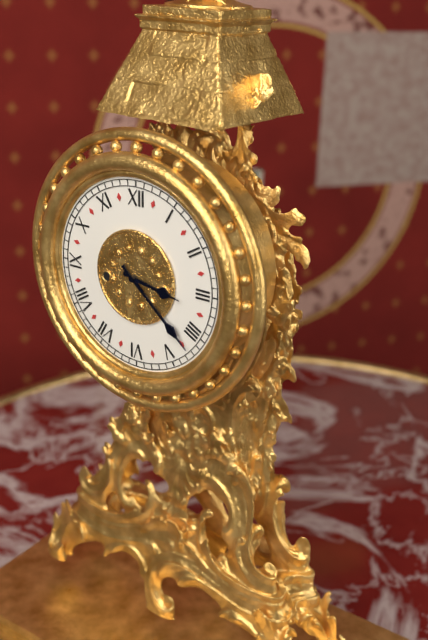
3:22
